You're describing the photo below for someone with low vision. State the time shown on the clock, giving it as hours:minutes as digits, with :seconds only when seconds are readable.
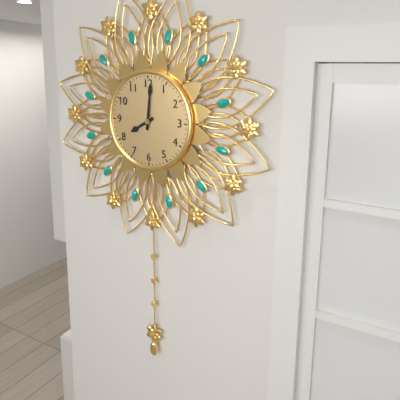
8:01
